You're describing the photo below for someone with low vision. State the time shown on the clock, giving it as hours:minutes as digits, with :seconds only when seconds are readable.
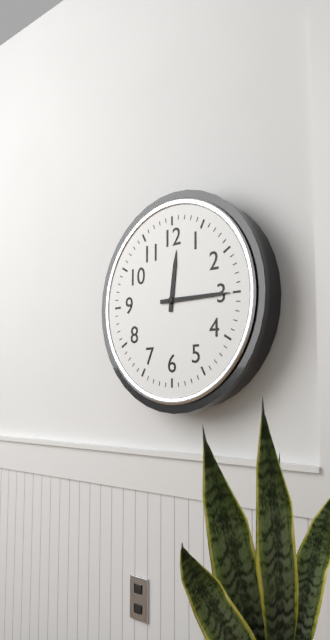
12:15
